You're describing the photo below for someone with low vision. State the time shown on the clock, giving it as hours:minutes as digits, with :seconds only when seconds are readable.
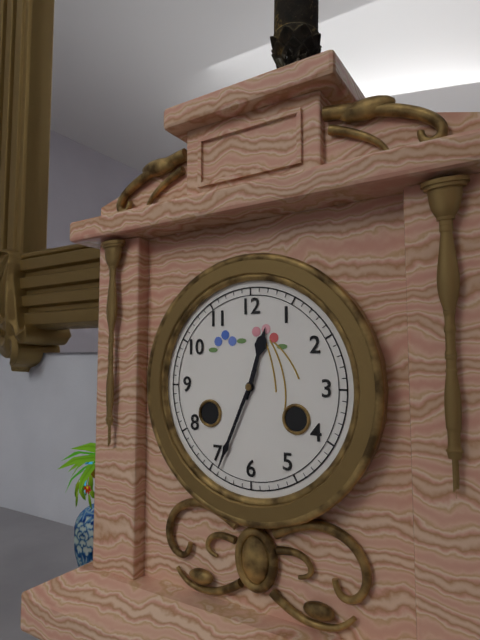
12:34
